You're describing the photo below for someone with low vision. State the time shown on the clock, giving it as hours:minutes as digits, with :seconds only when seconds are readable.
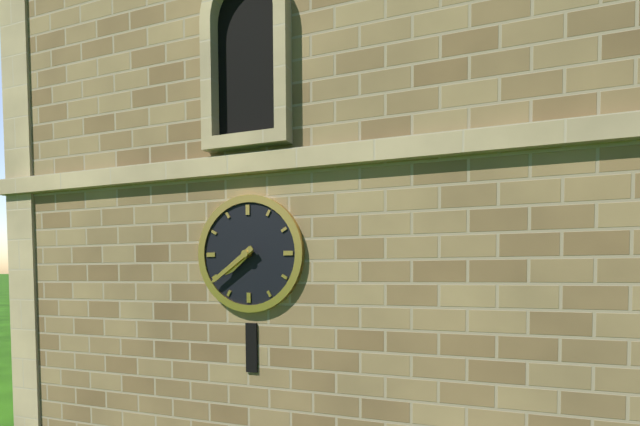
7:39
